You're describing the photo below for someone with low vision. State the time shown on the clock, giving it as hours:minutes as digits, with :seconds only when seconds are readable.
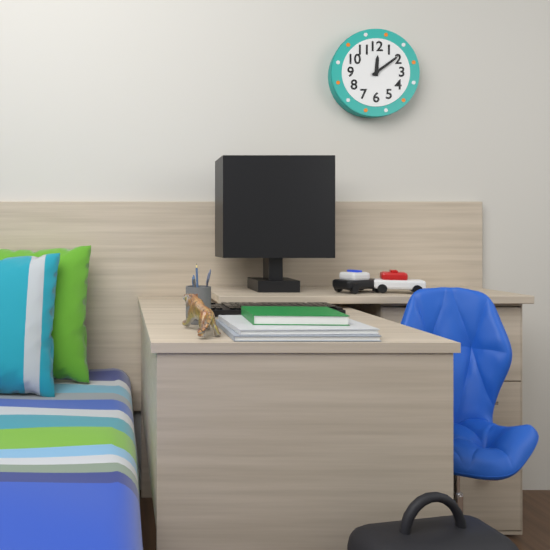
12:09
